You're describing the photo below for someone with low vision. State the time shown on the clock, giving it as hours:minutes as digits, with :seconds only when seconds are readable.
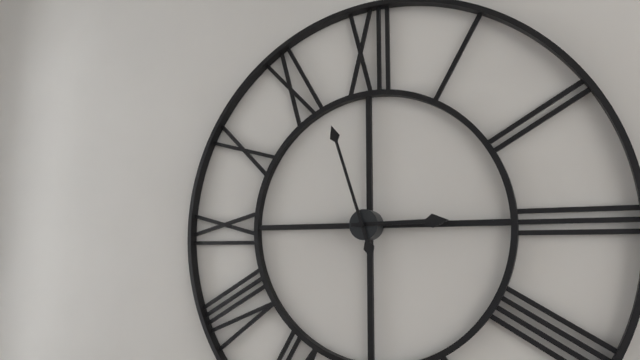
2:57
